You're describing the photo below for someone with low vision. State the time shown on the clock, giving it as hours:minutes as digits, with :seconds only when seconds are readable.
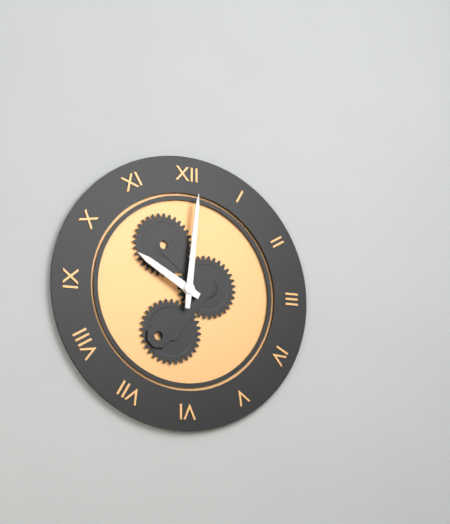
10:01
